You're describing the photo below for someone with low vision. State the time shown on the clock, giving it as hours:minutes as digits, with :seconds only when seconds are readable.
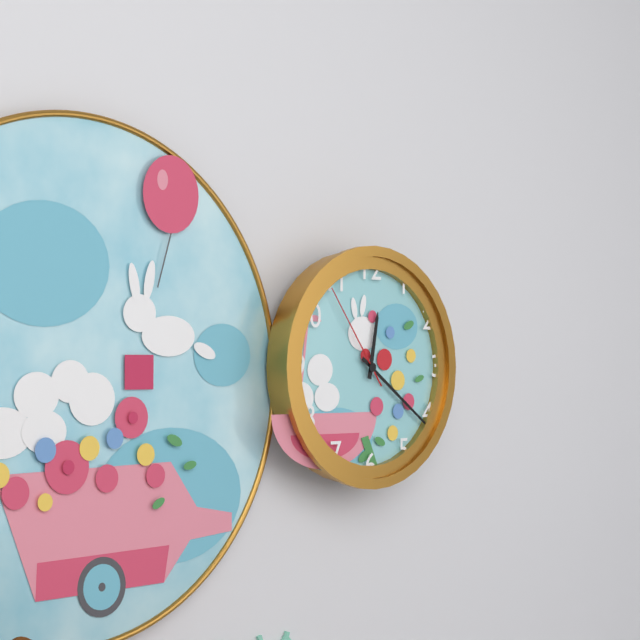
12:21:54
